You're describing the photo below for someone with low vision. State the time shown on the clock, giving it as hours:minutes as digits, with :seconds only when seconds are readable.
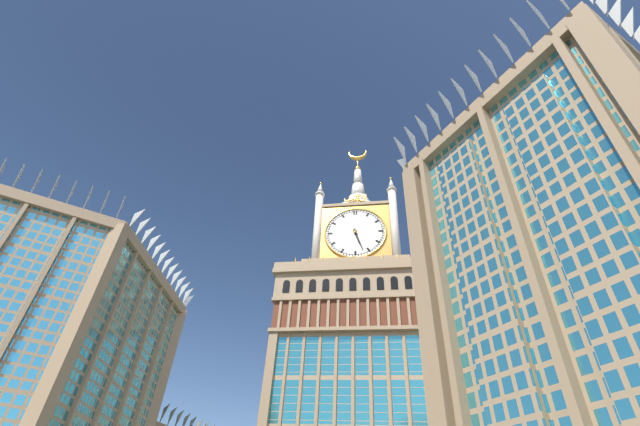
5:27
